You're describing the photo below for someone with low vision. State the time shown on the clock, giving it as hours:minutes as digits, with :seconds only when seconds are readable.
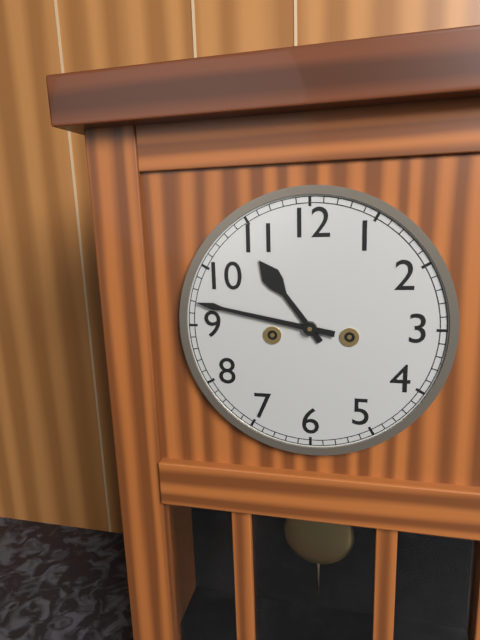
10:47
